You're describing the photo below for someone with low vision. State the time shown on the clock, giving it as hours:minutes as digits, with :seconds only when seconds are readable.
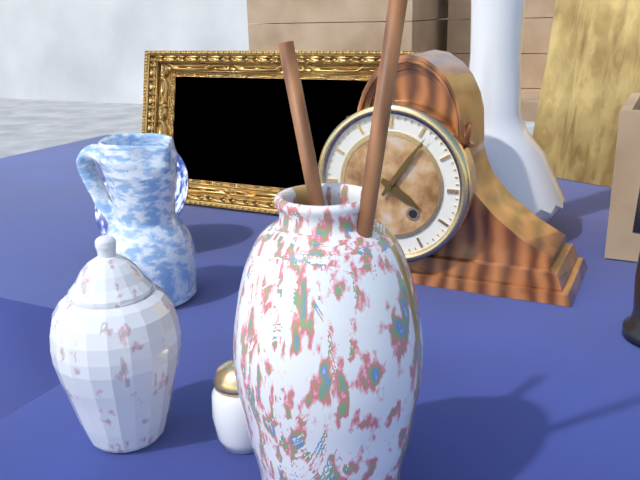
4:06
